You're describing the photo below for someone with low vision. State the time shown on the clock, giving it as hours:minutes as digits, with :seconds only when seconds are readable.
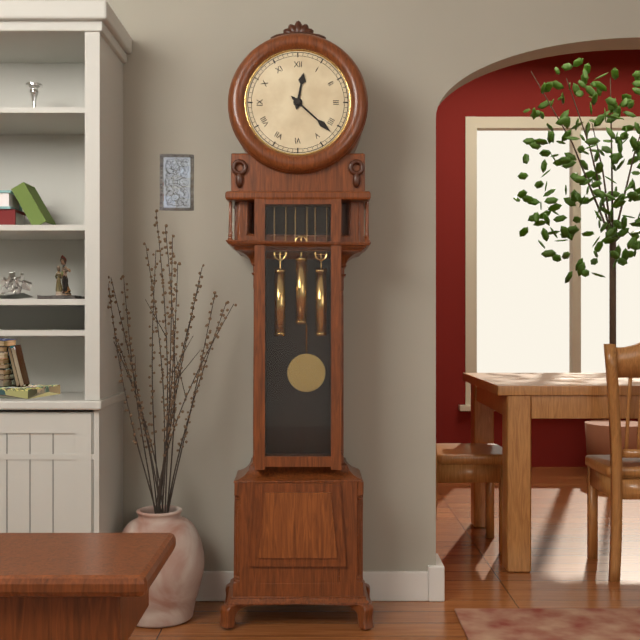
12:22
